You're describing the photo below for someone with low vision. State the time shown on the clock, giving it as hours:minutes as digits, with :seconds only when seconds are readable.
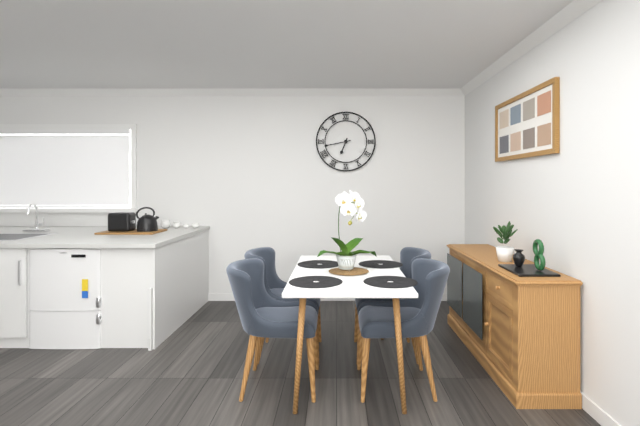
6:43
